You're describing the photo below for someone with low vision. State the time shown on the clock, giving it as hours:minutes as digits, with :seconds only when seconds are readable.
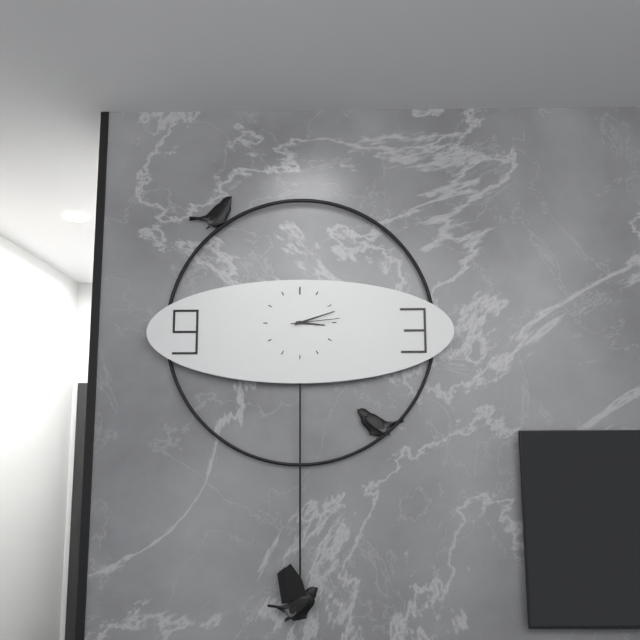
3:12:14
